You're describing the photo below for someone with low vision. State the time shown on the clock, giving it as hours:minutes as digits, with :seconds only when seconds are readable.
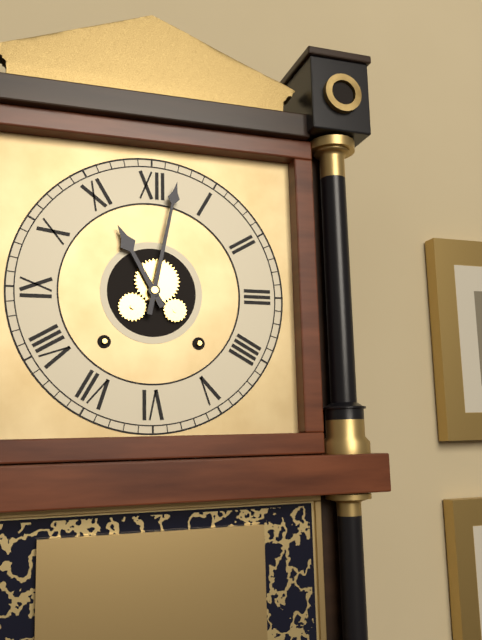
11:02
